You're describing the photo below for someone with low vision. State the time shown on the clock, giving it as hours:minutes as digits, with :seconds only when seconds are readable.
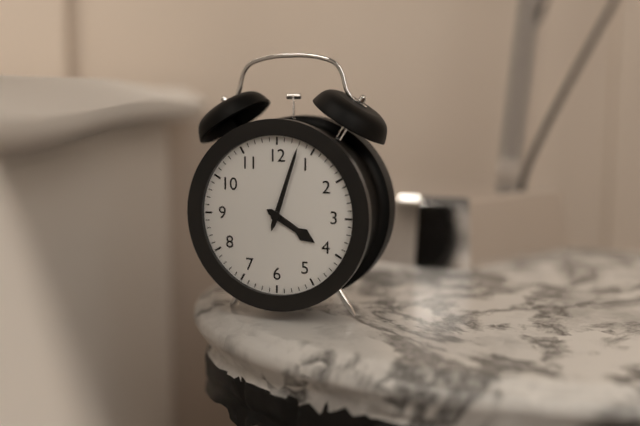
4:03
